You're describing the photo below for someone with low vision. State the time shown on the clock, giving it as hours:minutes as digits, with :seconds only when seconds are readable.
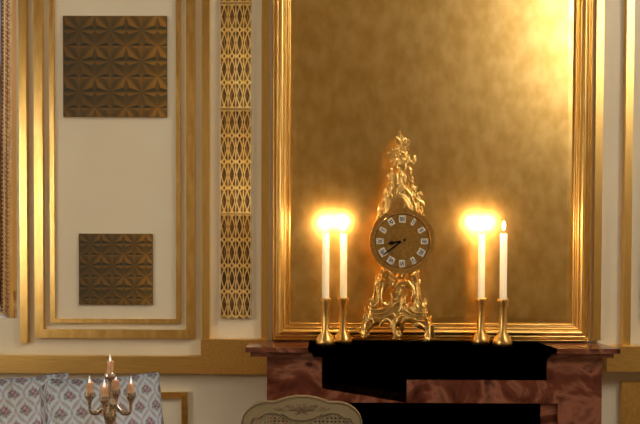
8:39
